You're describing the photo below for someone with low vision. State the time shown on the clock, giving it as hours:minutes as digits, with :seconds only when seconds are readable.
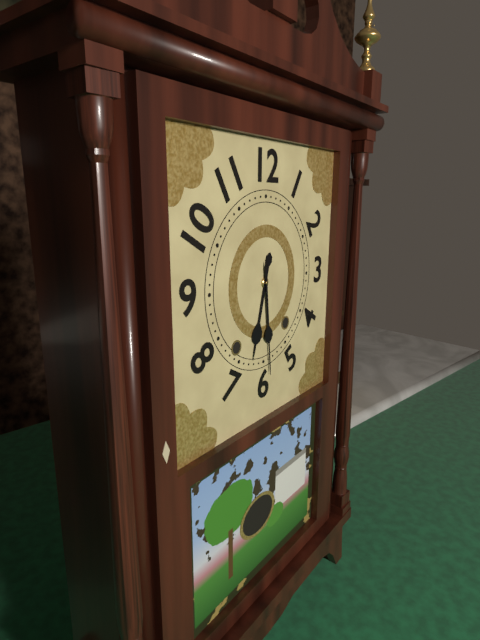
6:29
